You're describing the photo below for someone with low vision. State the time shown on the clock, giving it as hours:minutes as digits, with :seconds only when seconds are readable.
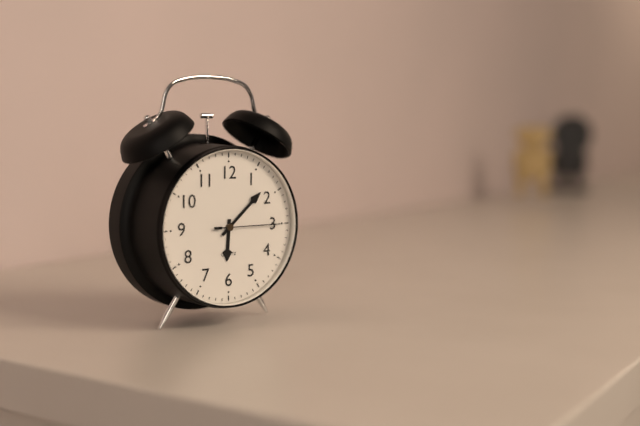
6:08:15
